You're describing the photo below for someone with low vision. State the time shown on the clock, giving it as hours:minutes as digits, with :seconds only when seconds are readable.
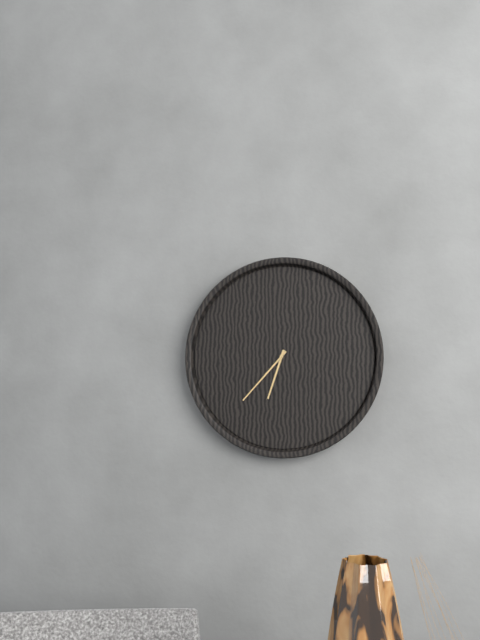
6:37
